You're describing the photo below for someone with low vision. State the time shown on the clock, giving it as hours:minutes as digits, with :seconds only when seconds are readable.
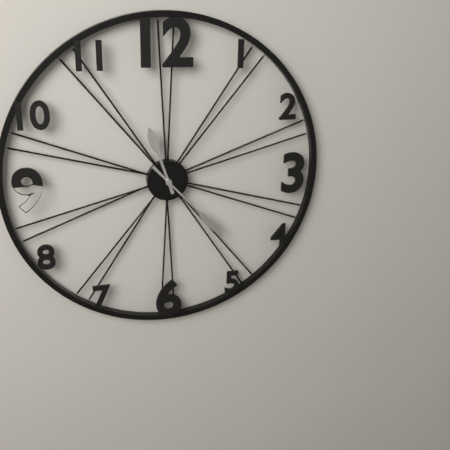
11:23
